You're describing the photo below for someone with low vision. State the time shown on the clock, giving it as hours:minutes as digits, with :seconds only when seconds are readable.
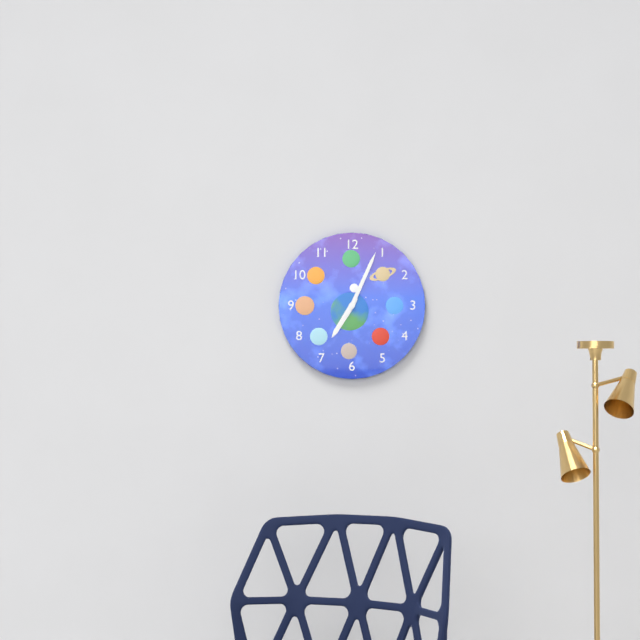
7:04
